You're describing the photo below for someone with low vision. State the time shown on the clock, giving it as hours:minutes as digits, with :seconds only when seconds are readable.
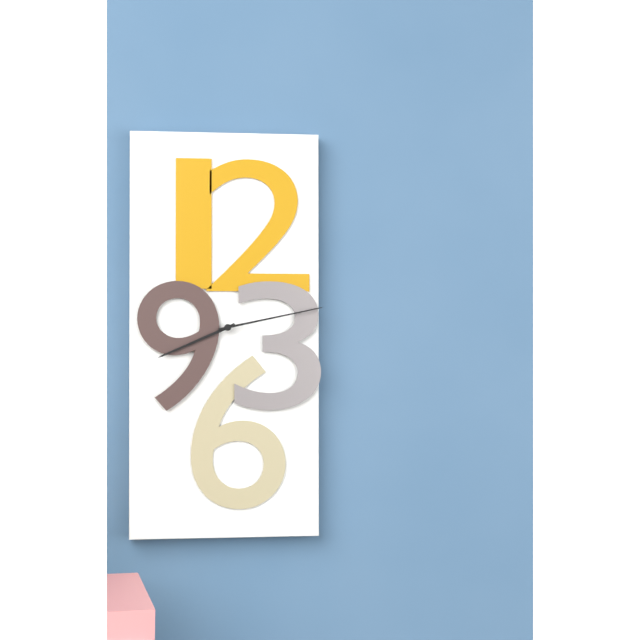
8:13
